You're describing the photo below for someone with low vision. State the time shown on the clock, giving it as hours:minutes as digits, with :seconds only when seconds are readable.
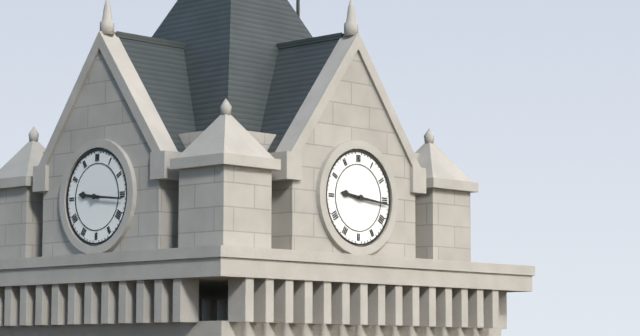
9:16
